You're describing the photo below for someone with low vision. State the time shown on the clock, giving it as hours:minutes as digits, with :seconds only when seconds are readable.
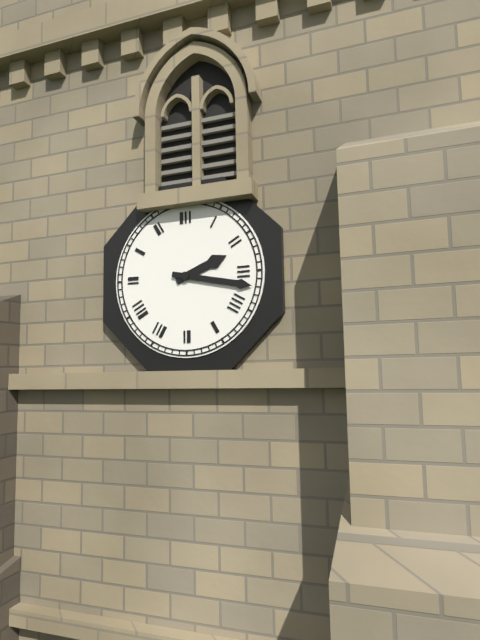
2:17
